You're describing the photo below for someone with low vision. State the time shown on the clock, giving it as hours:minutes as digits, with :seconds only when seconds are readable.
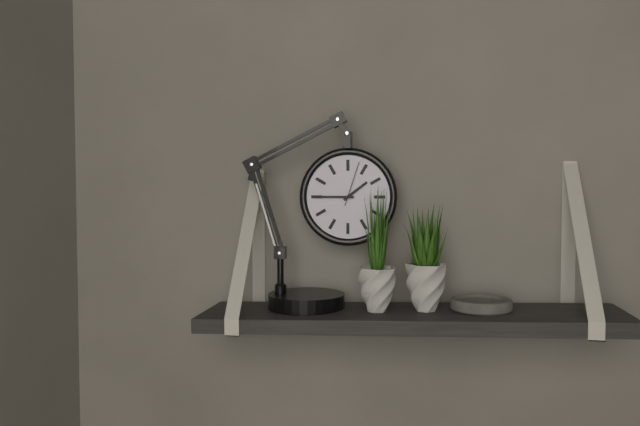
1:45
